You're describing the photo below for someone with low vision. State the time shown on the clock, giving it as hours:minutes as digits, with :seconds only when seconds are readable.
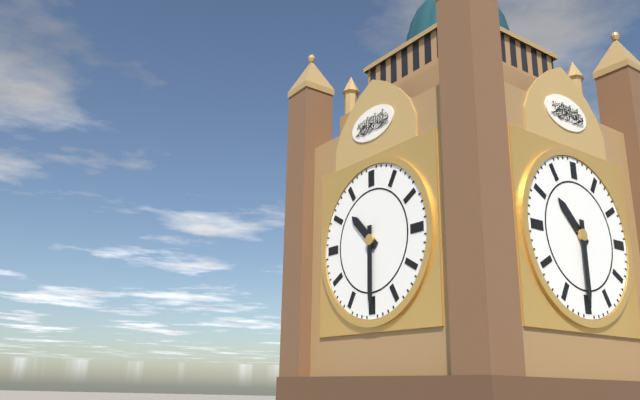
10:30
